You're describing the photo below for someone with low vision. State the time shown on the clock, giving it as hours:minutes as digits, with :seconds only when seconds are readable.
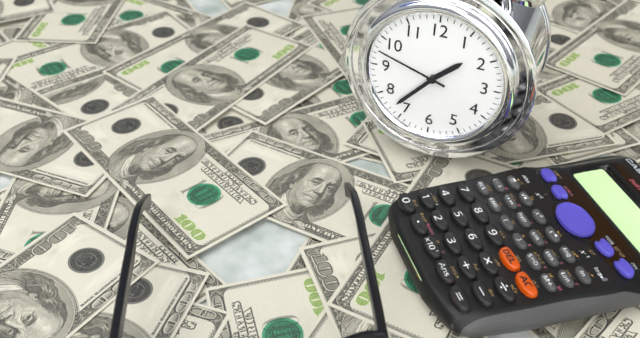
1:37:48
